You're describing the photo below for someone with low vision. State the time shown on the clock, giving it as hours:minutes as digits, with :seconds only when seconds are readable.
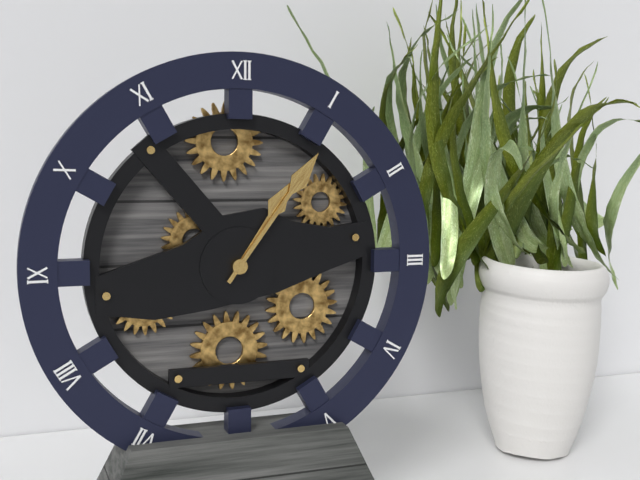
1:06
